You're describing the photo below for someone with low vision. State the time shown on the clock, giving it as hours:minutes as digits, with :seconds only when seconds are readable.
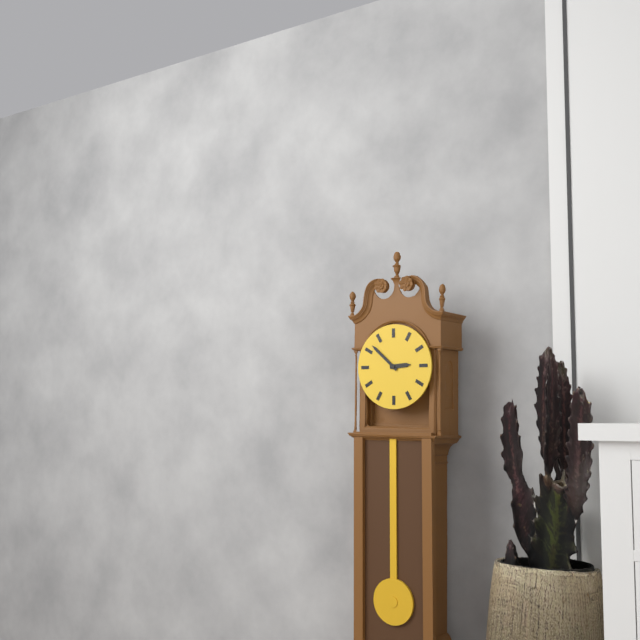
2:52
